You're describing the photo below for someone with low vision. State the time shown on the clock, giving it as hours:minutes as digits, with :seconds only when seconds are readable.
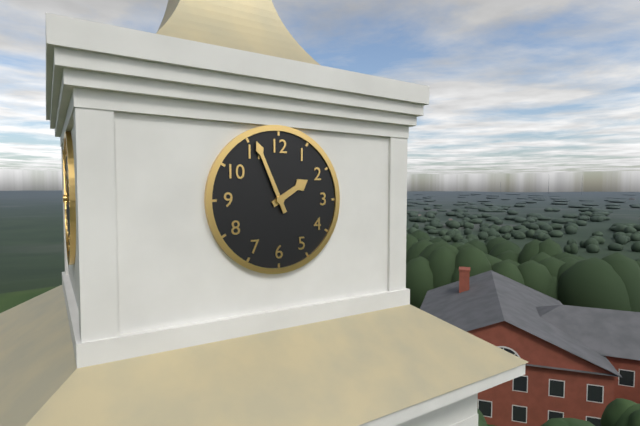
1:56
